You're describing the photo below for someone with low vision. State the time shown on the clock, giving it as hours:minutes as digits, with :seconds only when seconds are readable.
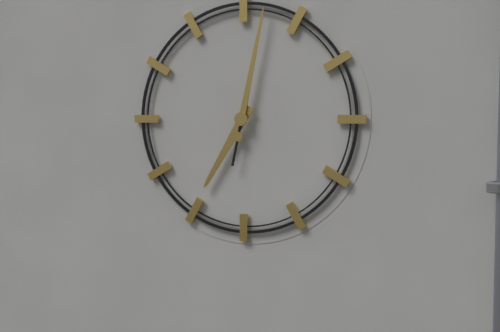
7:02
